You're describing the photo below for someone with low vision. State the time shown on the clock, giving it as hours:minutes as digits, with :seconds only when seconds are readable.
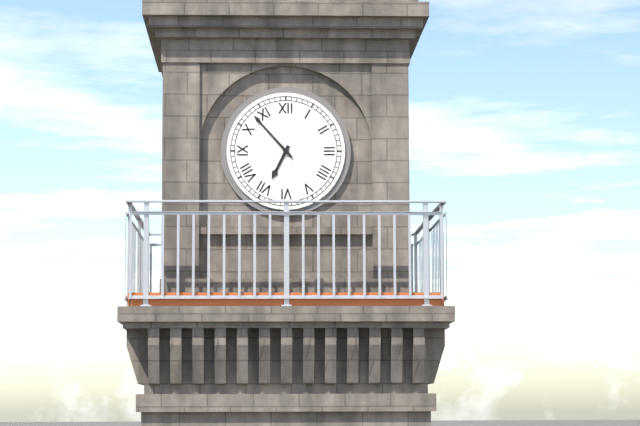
6:53
